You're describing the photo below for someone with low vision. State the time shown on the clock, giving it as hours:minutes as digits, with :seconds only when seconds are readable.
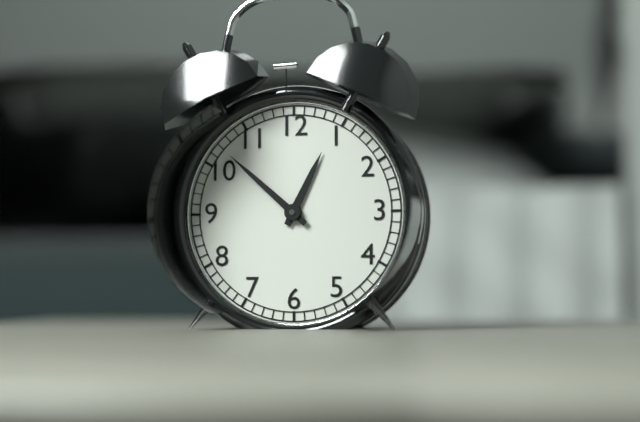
12:52
